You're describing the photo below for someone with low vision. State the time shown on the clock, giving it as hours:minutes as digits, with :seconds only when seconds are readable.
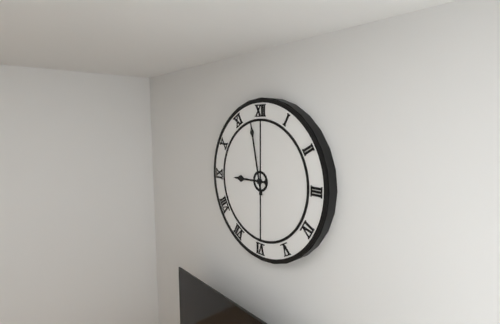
8:58
